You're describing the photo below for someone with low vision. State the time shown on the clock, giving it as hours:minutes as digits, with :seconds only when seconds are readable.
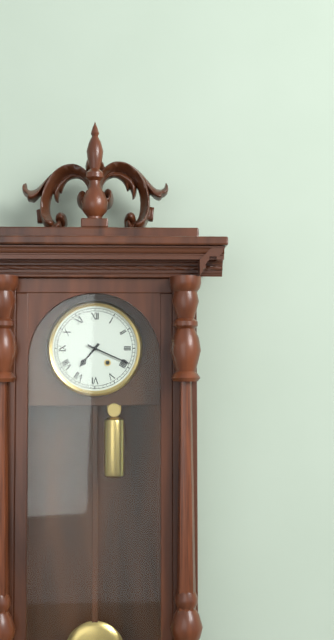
7:19
